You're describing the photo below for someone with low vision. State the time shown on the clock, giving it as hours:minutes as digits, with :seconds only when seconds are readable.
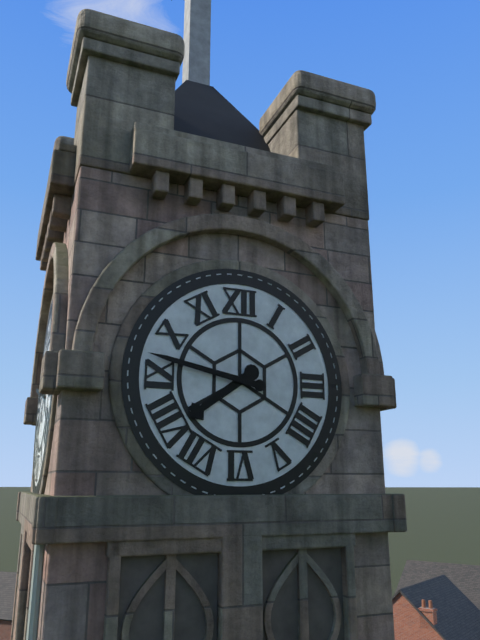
7:47
